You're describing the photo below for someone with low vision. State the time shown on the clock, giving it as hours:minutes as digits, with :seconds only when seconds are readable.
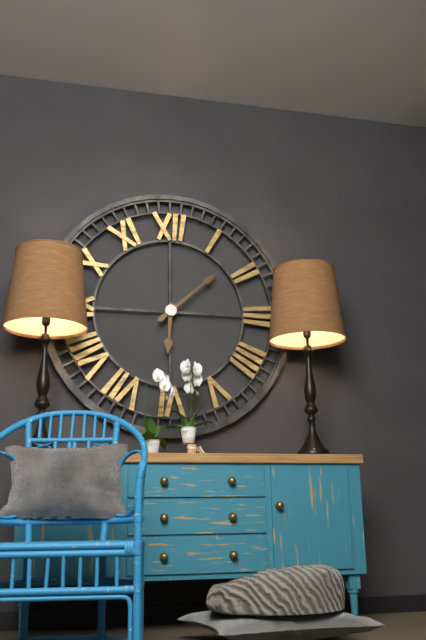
6:08
